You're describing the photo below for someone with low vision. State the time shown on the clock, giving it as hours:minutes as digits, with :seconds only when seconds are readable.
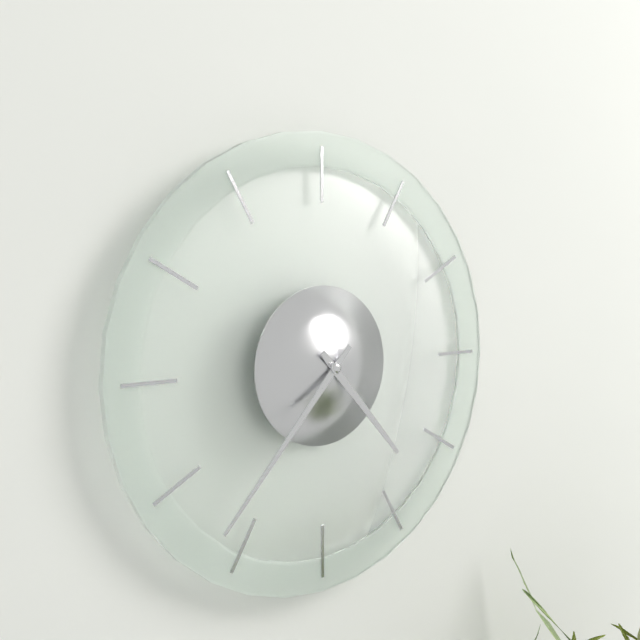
4:37
